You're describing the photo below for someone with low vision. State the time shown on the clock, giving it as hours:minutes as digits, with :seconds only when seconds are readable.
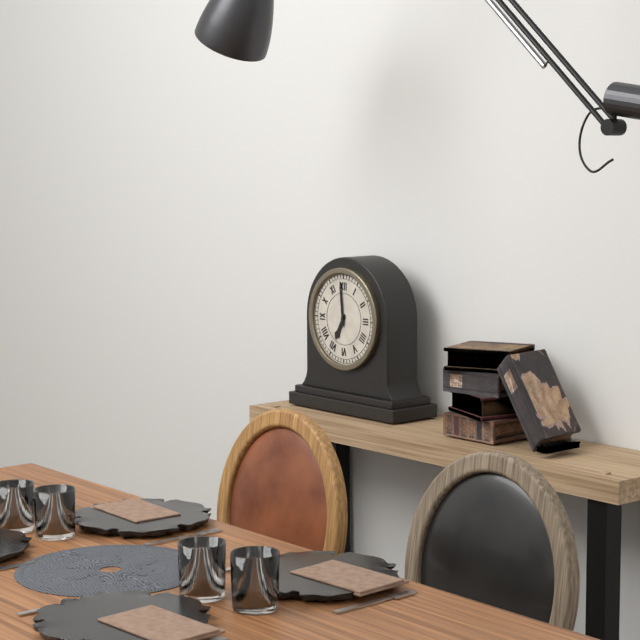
6:59
